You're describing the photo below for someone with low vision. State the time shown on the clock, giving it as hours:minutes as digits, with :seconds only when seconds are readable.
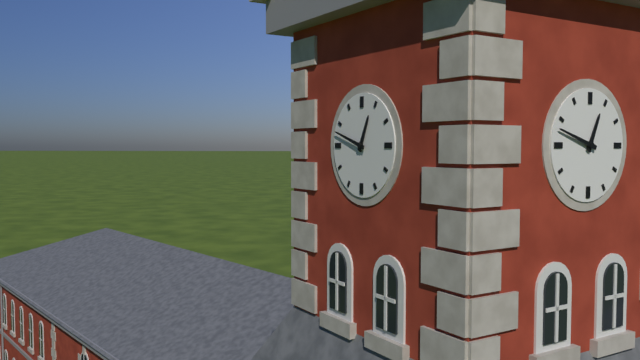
12:48
